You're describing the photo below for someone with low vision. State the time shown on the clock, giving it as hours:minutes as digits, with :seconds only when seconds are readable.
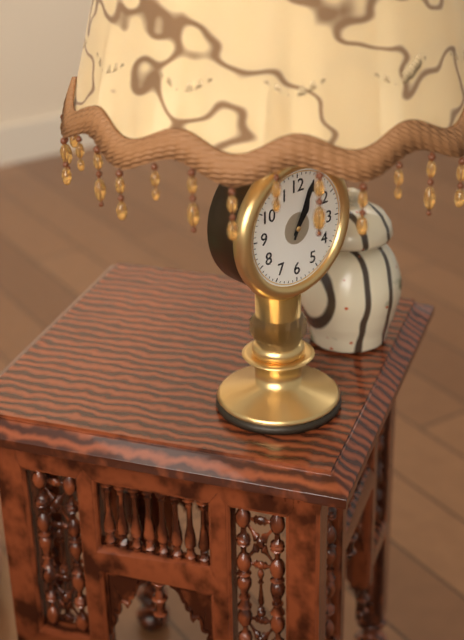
1:04
